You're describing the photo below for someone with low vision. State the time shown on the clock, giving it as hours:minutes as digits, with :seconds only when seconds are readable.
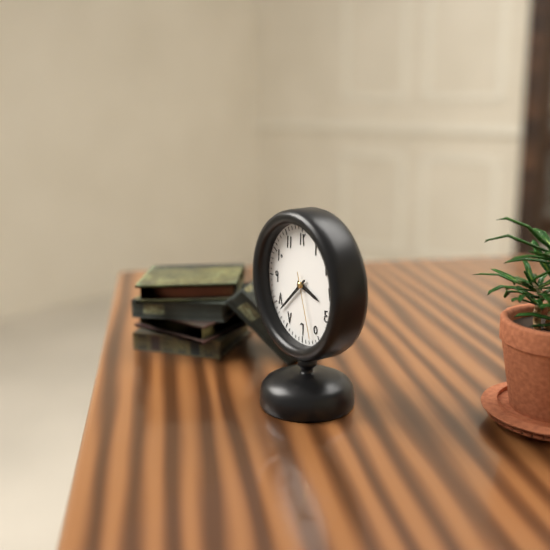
3:38:27
